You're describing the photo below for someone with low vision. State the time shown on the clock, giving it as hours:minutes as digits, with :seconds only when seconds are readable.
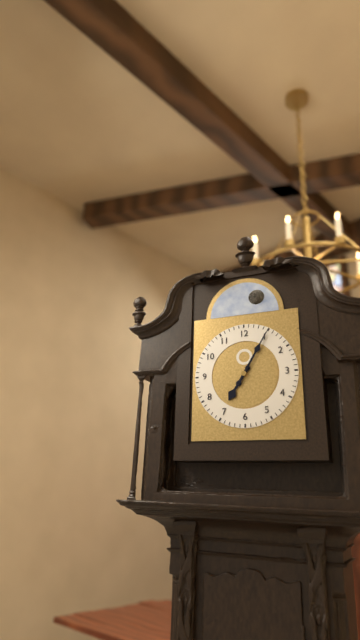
7:05
